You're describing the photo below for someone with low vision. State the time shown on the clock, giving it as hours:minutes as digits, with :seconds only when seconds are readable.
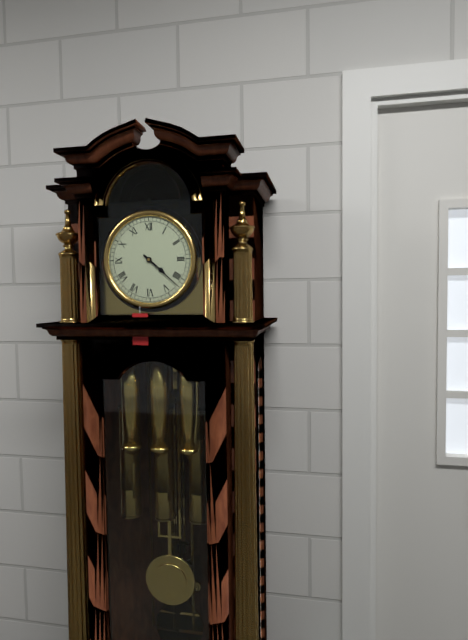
4:22
